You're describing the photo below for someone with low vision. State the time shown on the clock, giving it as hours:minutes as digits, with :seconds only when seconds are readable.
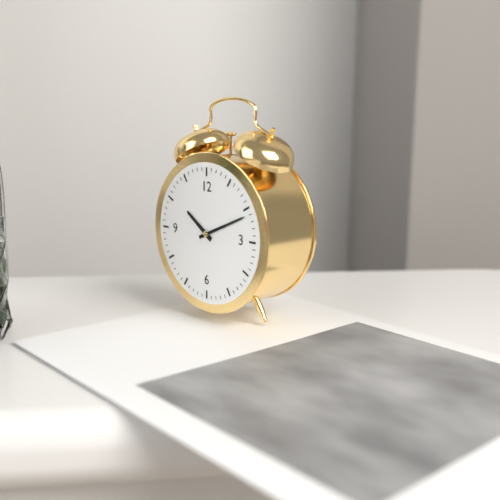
10:11
